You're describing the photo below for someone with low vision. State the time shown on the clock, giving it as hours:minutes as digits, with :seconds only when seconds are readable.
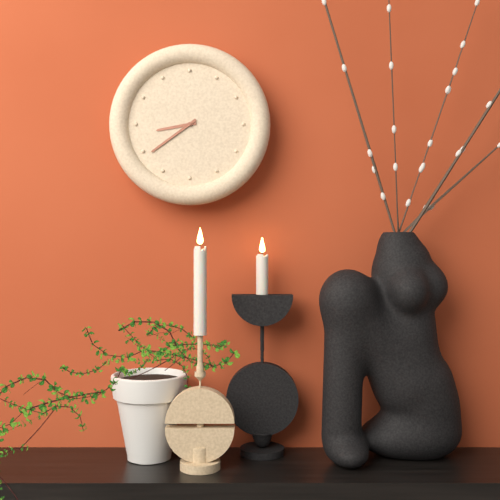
8:39
